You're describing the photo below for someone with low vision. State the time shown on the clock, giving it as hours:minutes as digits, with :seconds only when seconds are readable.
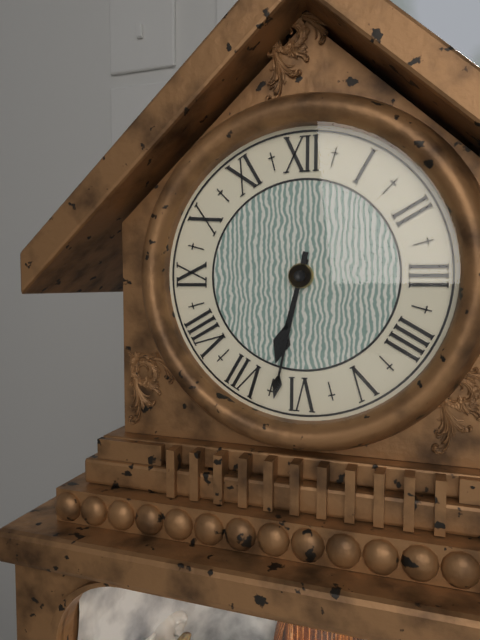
6:32
